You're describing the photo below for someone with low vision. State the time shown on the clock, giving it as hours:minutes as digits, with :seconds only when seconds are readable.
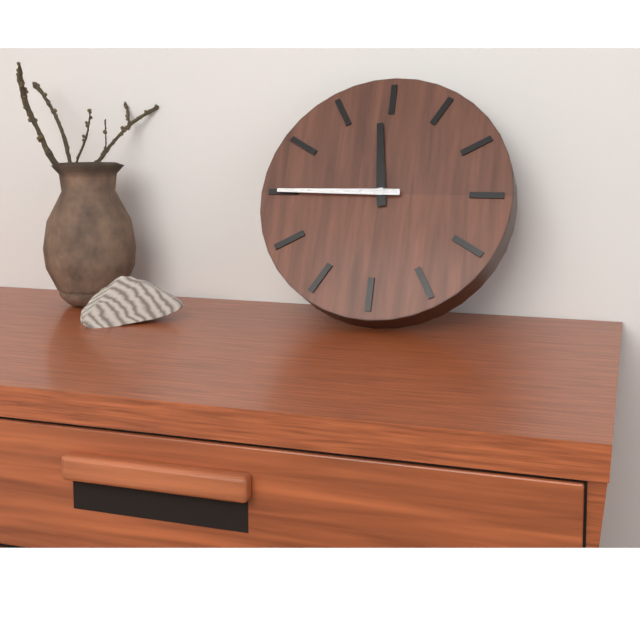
11:45
